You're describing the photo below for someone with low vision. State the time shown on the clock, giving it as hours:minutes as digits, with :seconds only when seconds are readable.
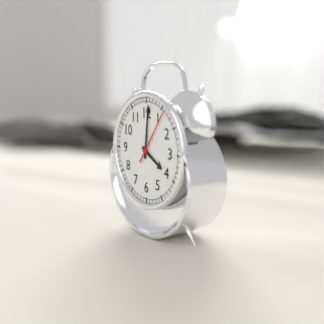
4:01:06
